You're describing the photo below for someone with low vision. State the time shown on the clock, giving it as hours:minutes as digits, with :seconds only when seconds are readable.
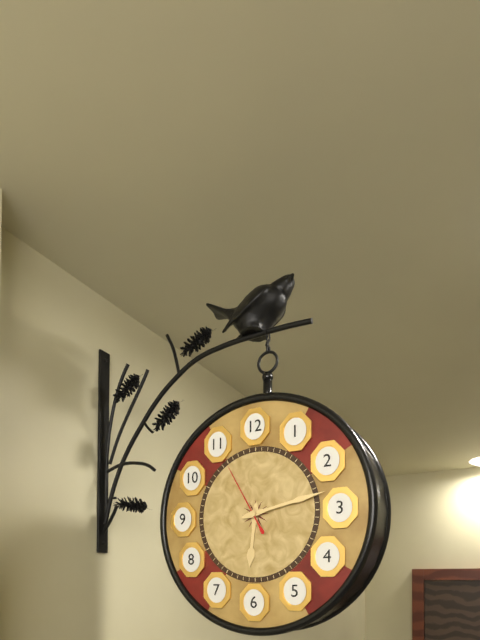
6:13:55
